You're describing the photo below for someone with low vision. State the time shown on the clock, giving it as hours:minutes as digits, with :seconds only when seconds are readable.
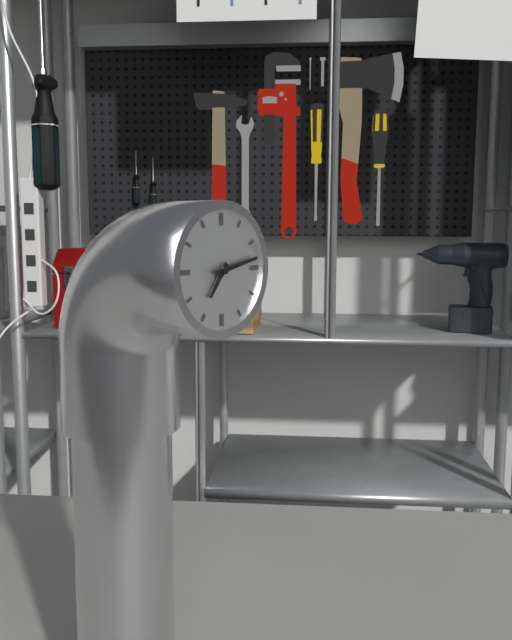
7:13
